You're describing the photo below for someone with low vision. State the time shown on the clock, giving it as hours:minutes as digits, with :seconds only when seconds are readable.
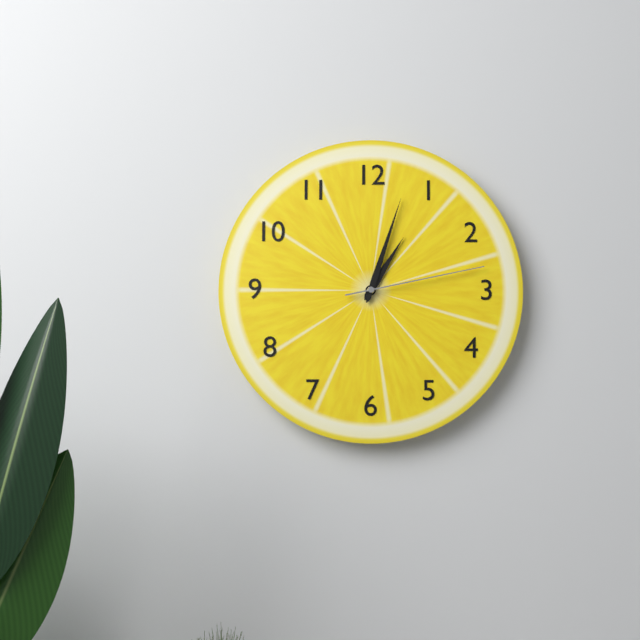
1:03:13
